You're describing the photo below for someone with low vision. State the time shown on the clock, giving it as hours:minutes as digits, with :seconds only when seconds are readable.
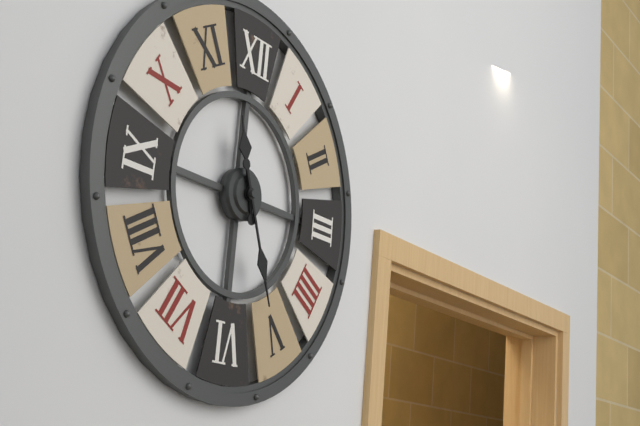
11:26
